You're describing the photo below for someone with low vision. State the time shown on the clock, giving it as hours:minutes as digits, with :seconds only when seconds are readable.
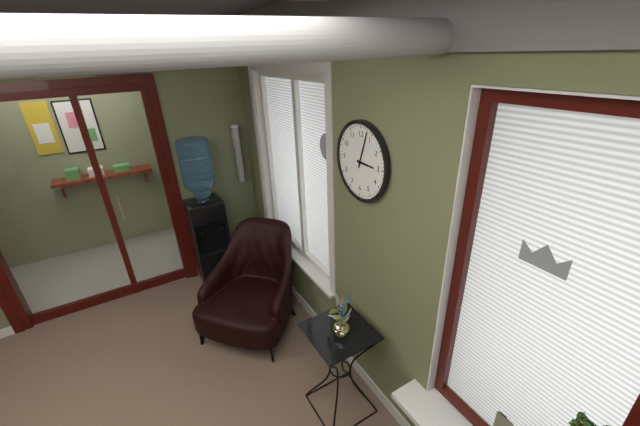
3:03
